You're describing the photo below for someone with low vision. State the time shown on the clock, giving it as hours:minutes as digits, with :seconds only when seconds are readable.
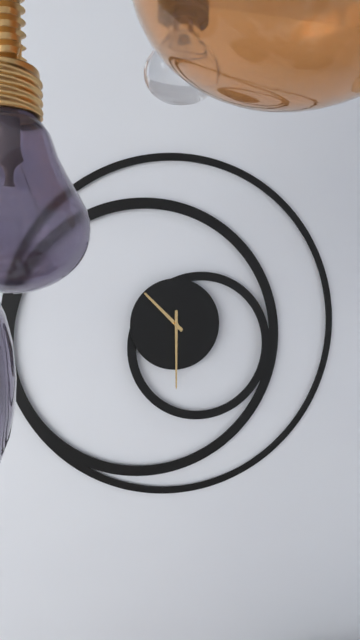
10:30
